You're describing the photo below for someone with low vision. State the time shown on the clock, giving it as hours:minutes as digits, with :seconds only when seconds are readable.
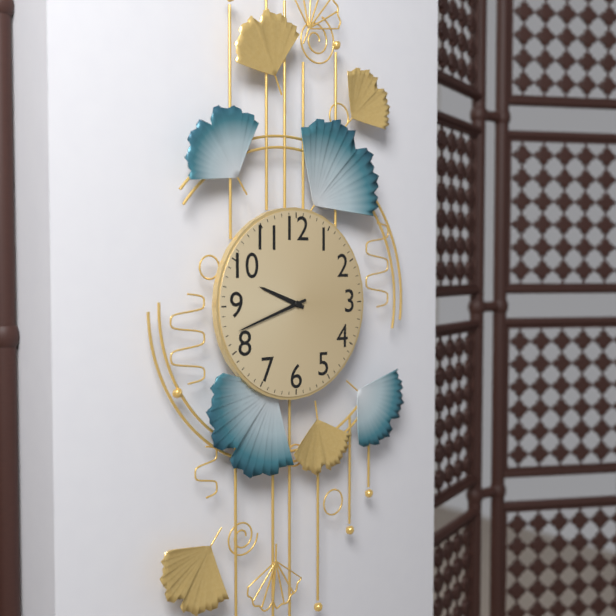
9:42
